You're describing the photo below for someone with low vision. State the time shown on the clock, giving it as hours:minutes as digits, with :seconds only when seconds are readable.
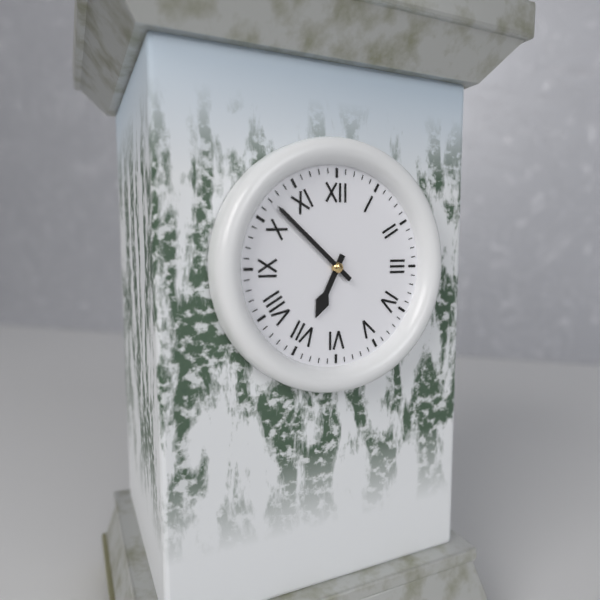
6:52
